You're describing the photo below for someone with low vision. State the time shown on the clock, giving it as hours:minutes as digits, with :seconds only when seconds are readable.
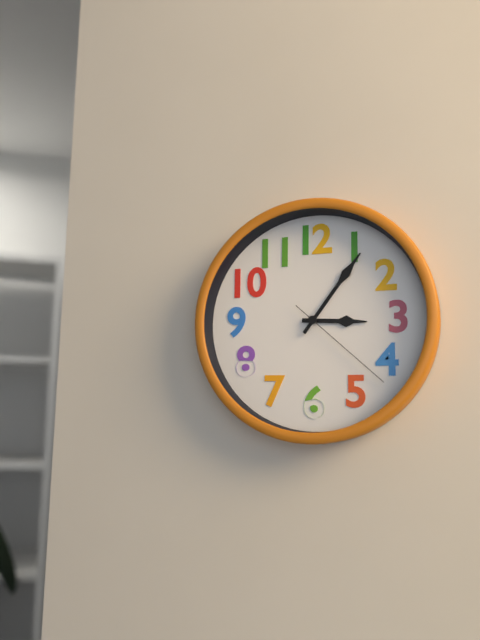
3:06:22
